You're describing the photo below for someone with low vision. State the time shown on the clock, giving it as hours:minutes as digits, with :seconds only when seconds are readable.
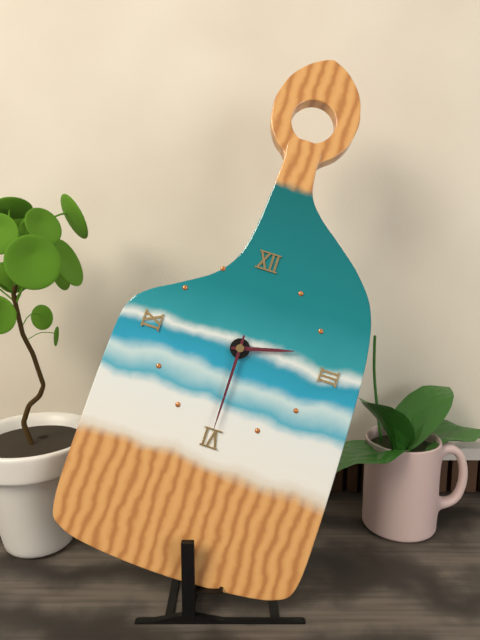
2:30
